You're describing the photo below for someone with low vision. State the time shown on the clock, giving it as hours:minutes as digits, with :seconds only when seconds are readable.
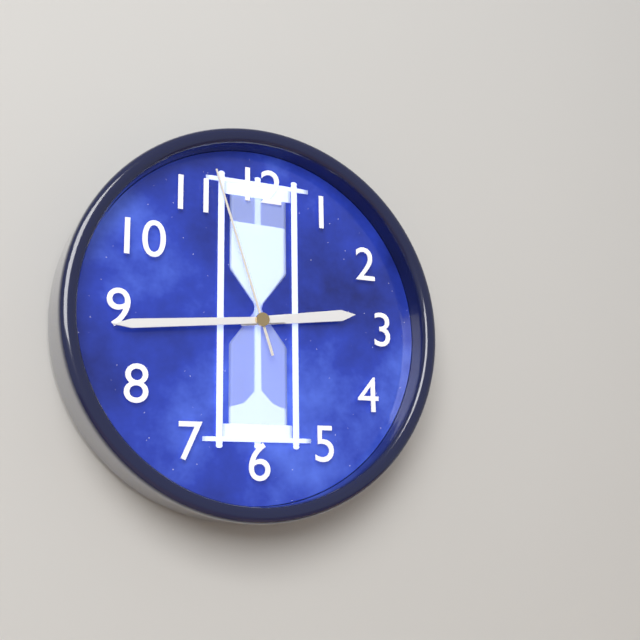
2:44:57
